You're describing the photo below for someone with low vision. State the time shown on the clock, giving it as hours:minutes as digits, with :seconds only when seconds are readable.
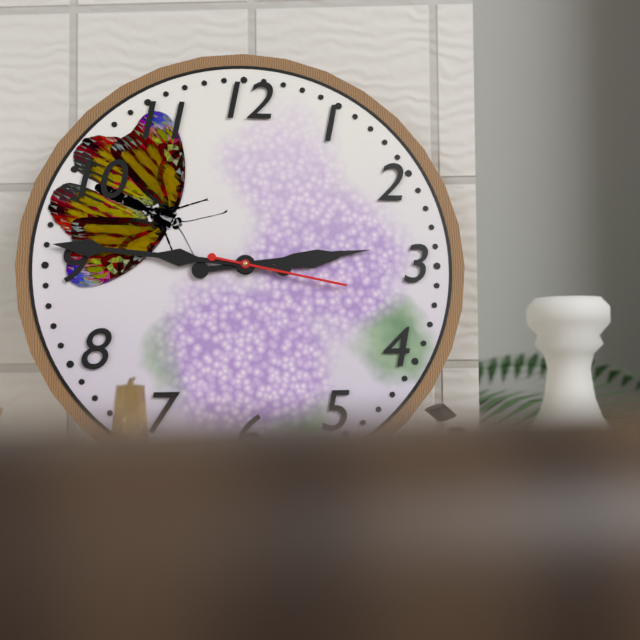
2:46:17
